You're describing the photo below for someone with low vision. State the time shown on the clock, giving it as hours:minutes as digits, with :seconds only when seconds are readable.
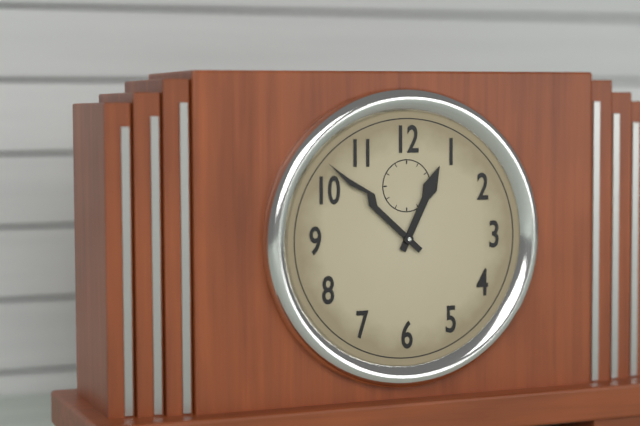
12:52
